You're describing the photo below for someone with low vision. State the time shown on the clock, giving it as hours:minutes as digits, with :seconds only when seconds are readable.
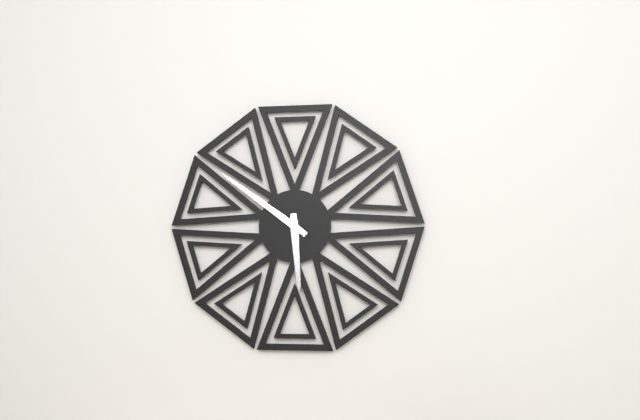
5:51
